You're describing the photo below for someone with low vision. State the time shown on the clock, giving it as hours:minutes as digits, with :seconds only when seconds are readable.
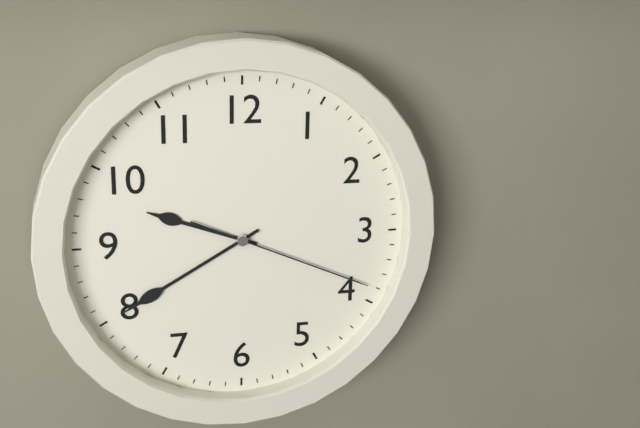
9:40:19
